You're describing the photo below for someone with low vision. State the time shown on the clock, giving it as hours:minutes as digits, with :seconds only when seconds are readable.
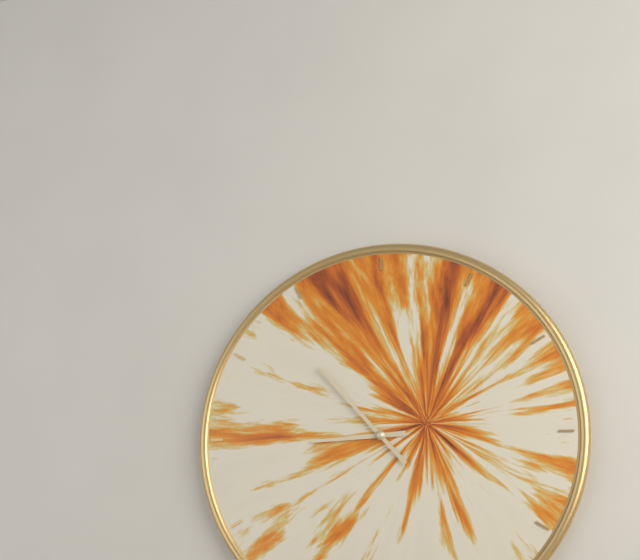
8:53
